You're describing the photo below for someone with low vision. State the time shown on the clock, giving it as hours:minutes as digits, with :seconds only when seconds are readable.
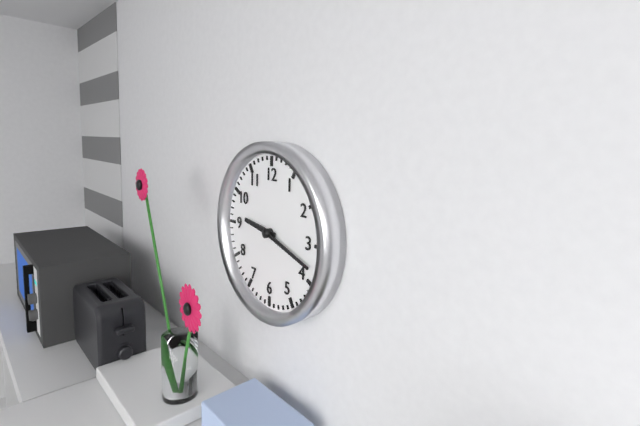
9:18
